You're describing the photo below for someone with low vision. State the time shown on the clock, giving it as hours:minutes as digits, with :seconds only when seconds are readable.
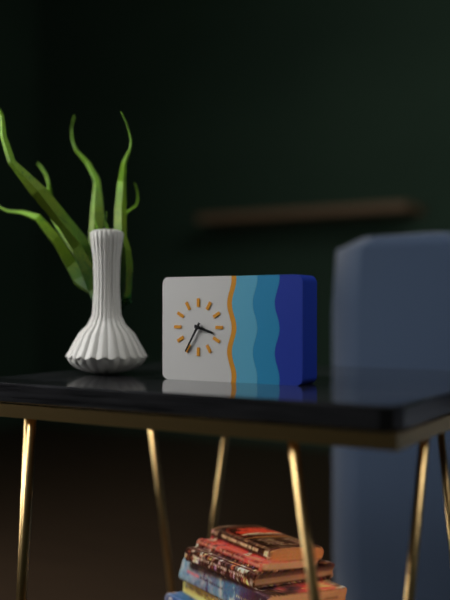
3:35
